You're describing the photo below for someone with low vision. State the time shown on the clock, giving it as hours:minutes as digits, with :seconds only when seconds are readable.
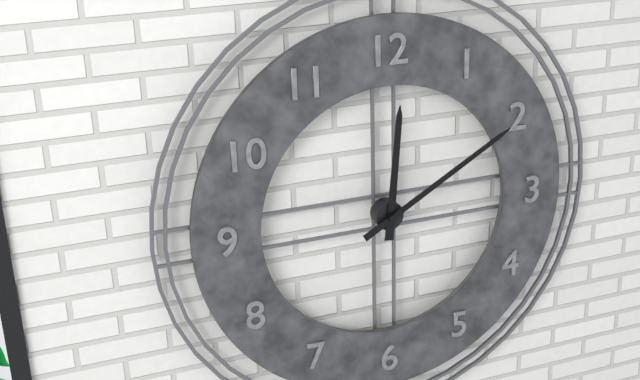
12:10
